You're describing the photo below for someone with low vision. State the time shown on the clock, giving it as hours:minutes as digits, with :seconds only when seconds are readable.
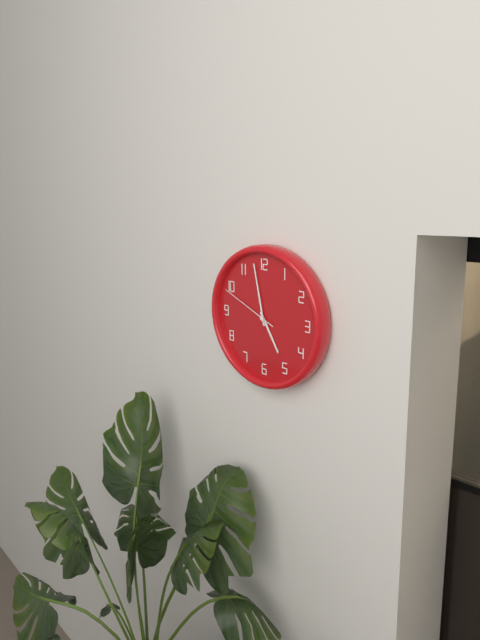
4:58:49
